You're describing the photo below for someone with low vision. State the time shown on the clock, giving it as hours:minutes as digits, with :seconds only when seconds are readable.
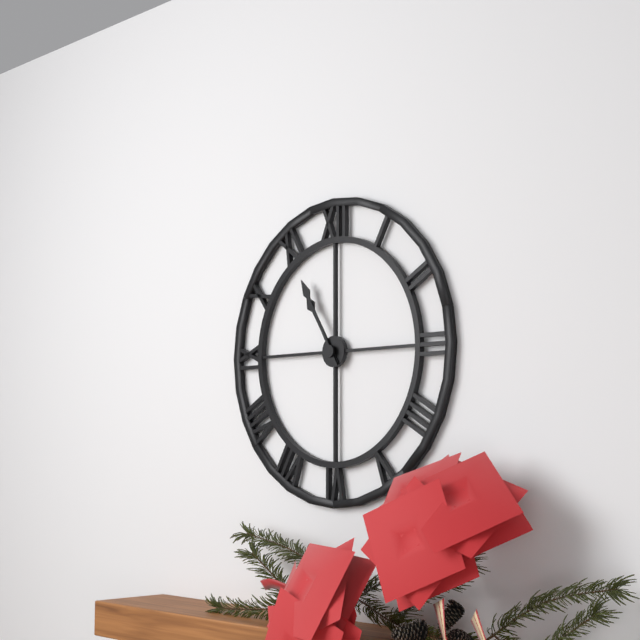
10:55
